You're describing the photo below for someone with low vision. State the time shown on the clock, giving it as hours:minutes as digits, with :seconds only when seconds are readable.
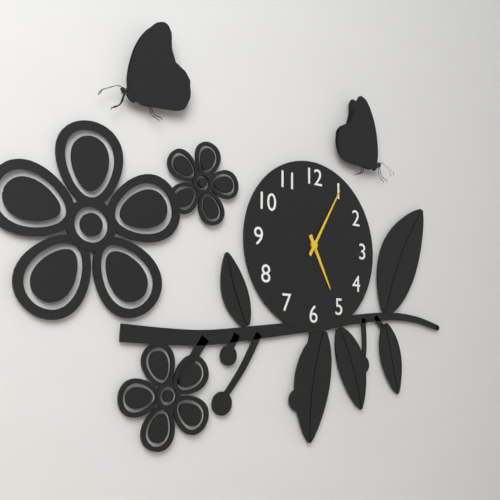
5:05
